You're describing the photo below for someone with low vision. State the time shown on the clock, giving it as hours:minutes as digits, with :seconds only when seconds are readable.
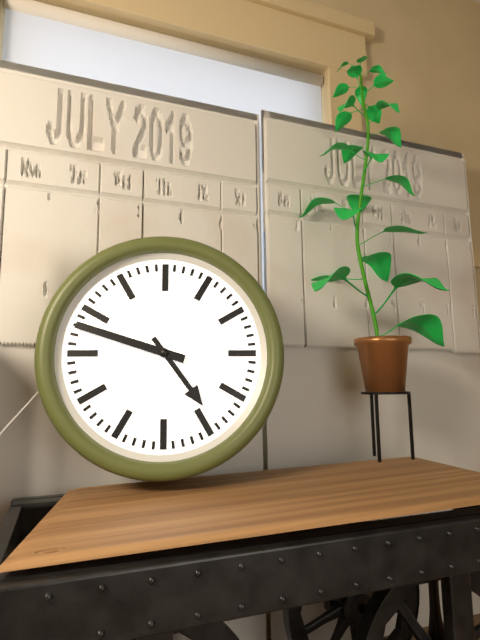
4:48
